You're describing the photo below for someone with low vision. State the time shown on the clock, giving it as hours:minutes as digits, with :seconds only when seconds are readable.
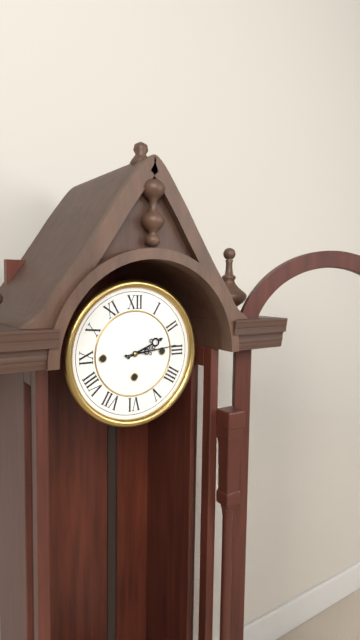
2:14
